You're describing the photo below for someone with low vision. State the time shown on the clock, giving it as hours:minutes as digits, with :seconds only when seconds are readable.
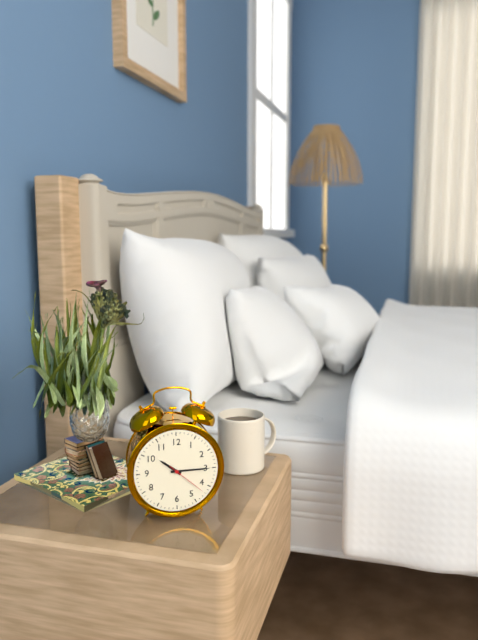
10:15
